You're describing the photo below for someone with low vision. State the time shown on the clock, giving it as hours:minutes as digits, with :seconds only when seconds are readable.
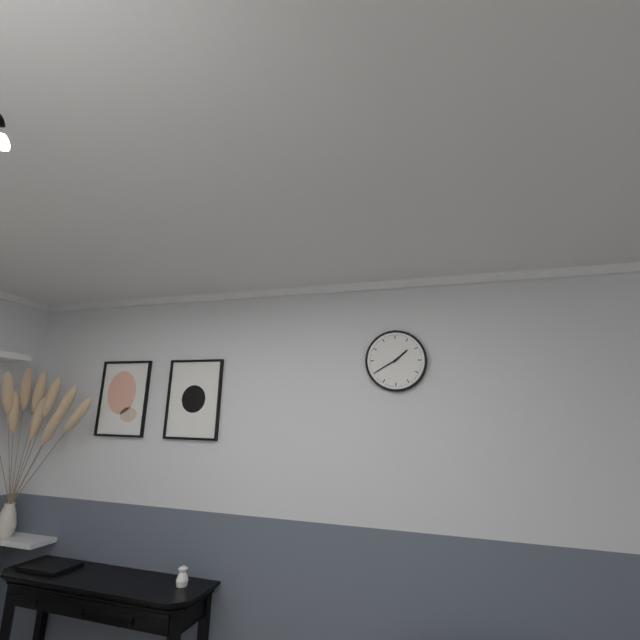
1:40
